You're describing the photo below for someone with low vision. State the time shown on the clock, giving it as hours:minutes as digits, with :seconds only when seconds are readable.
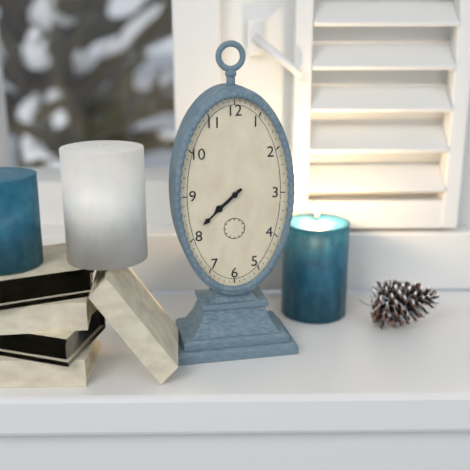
7:38
